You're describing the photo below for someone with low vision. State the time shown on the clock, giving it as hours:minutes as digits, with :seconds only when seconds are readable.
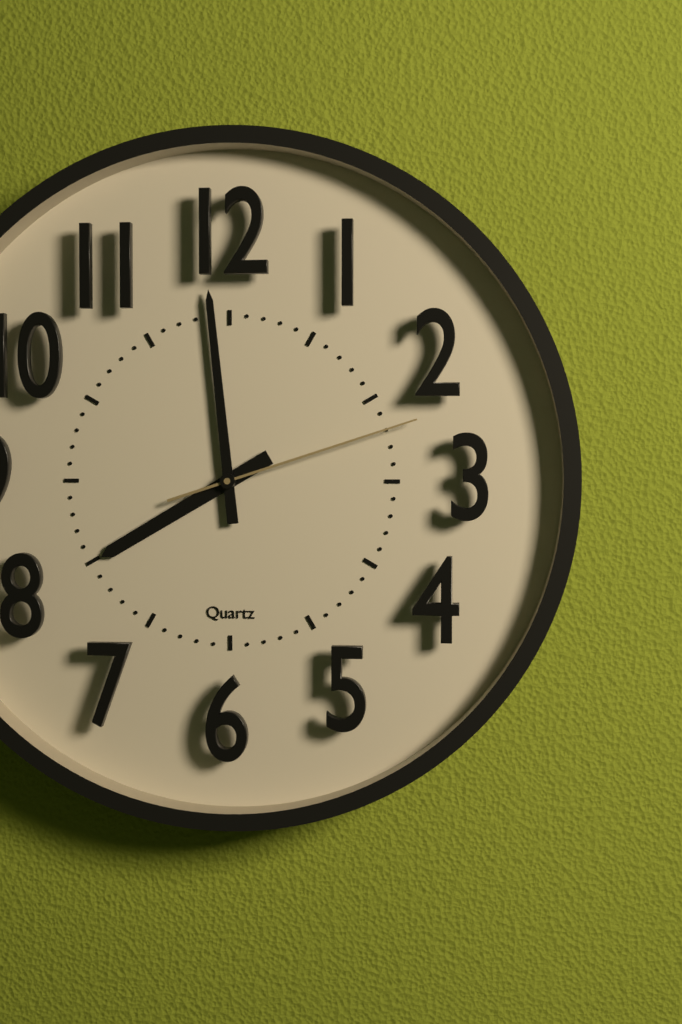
7:59:12
